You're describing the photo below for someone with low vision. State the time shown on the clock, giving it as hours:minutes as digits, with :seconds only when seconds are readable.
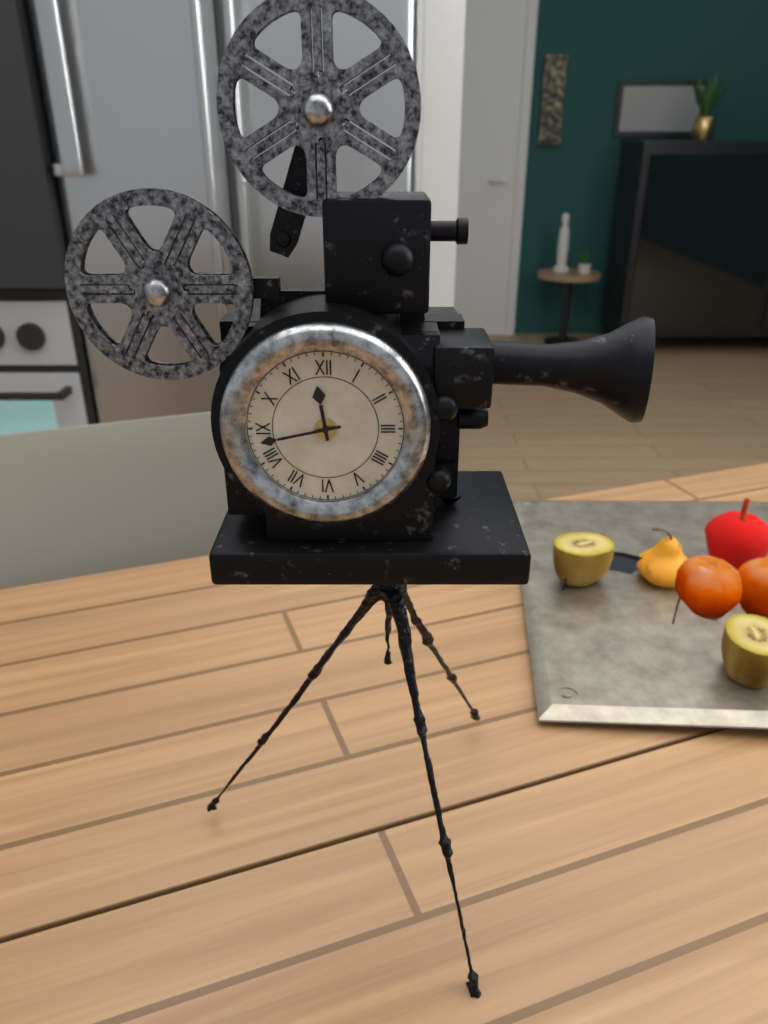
11:43
